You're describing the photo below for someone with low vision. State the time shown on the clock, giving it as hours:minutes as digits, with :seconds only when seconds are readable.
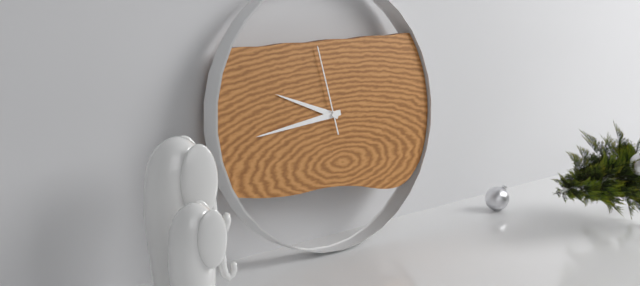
9:44:58
